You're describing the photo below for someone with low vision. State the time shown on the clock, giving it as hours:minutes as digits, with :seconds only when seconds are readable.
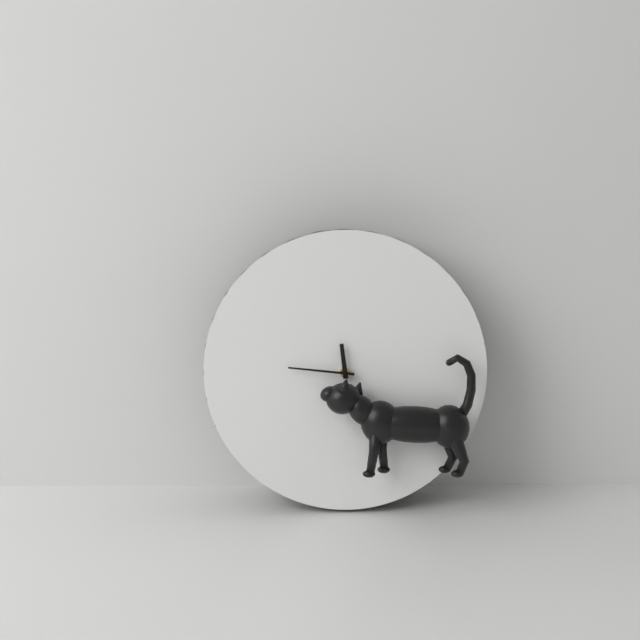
11:46
